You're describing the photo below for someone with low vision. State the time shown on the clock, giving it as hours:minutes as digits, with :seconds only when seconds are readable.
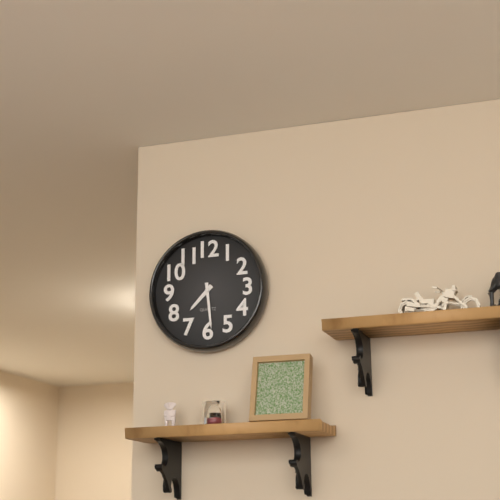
7:29
